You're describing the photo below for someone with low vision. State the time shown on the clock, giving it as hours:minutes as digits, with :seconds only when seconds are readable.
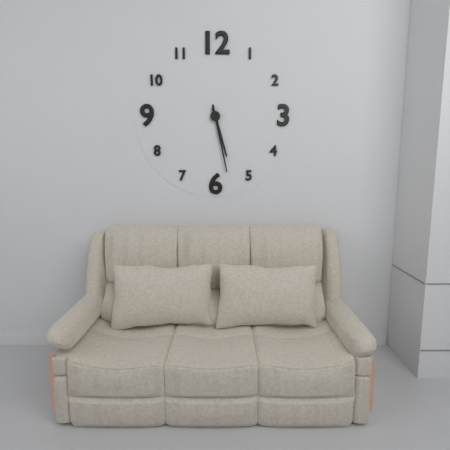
5:28
